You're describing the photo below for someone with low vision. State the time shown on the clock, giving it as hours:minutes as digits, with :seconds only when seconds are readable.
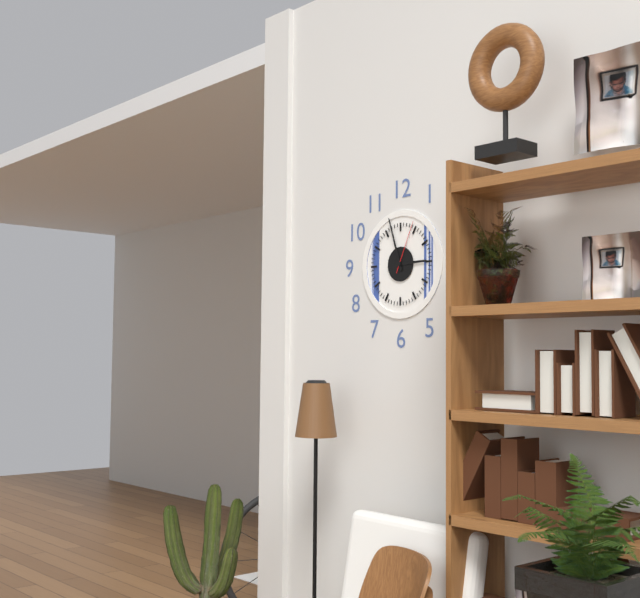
2:57:04
